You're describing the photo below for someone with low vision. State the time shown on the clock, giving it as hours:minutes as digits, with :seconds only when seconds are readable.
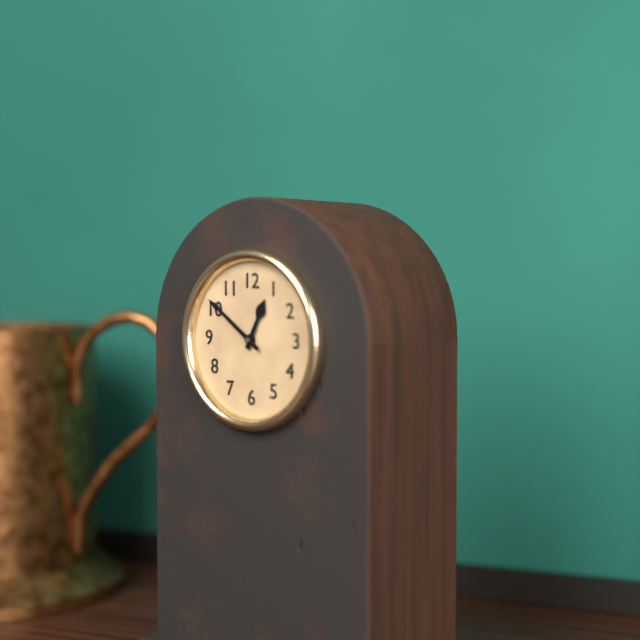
12:51
